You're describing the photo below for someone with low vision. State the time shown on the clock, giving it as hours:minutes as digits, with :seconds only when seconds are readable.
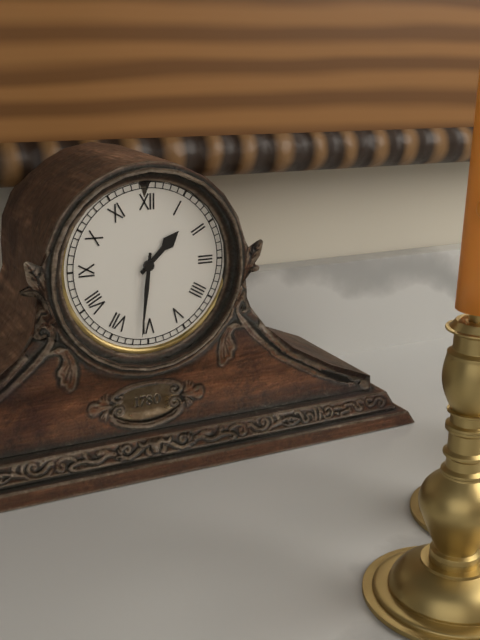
1:31
